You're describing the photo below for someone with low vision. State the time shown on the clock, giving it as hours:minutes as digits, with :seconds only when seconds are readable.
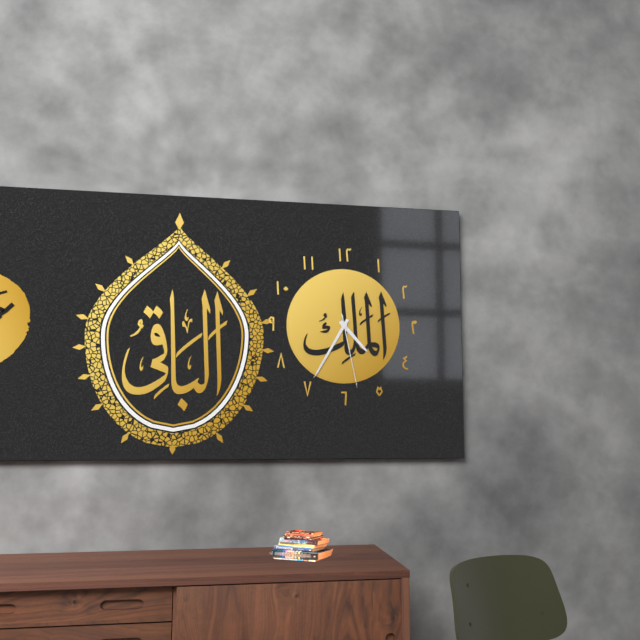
4:35:28
